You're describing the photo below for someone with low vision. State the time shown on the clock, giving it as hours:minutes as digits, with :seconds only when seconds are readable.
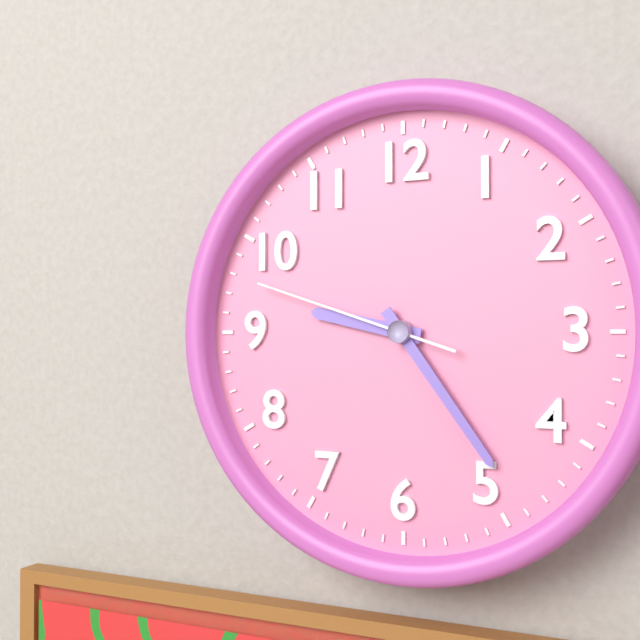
9:24:48
